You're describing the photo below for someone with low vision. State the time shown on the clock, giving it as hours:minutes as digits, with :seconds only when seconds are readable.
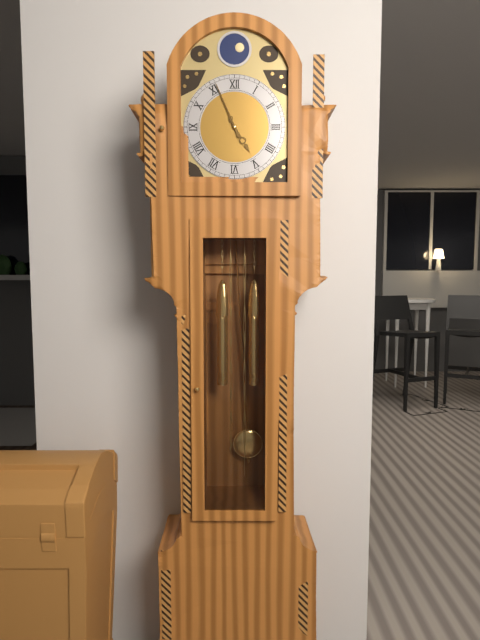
4:56
